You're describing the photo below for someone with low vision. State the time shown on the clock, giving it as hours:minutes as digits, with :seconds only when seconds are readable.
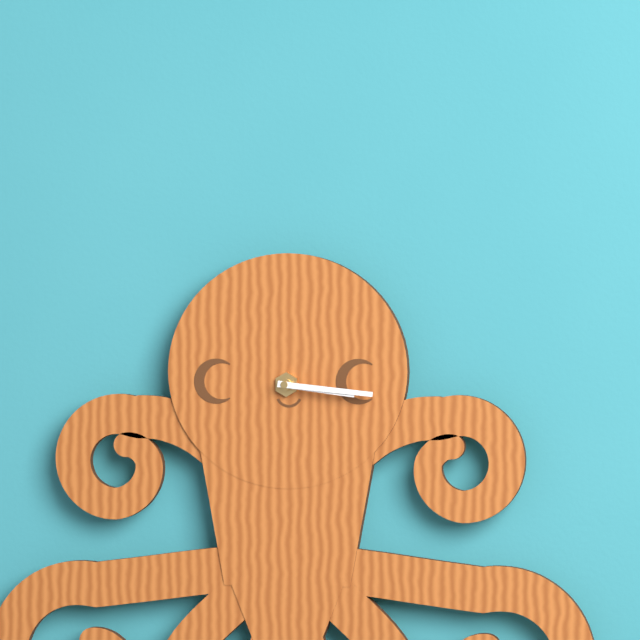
3:16
